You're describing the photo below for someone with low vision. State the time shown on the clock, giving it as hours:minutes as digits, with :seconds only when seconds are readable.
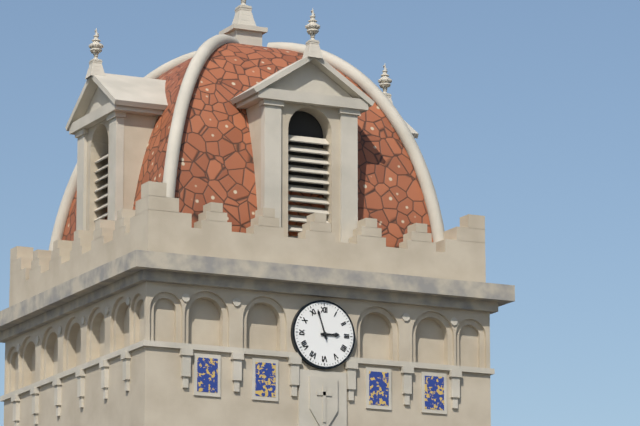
2:57
